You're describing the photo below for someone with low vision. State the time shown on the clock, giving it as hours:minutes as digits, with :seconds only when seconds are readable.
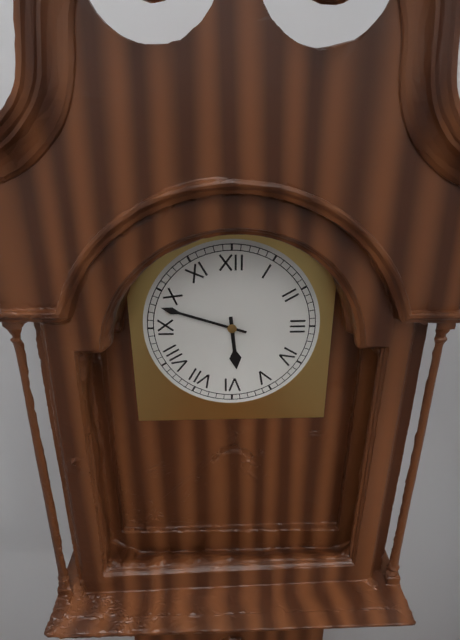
5:48
